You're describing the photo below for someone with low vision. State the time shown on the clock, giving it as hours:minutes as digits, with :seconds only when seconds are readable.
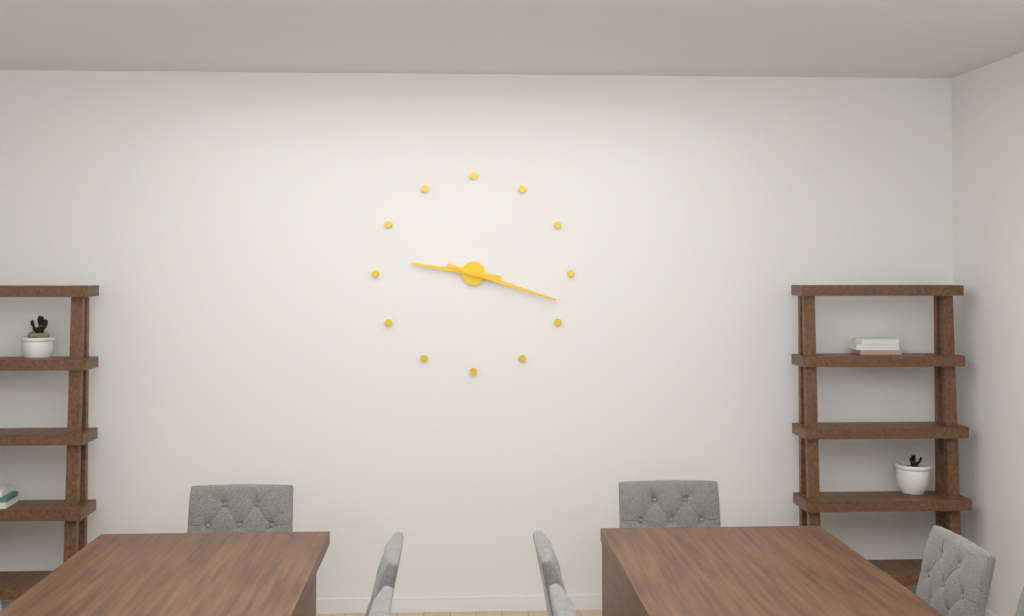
9:18
